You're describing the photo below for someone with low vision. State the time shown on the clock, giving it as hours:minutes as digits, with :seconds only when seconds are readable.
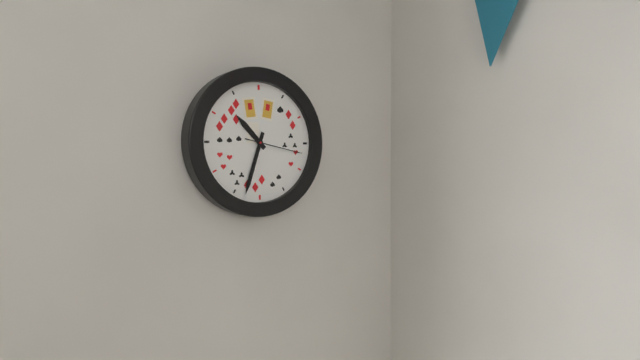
10:33:17
